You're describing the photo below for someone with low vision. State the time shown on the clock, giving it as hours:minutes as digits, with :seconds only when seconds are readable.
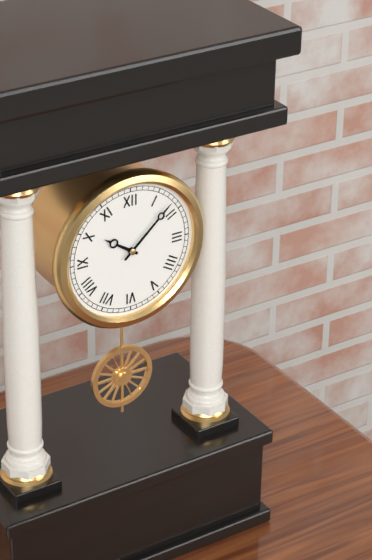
10:08
